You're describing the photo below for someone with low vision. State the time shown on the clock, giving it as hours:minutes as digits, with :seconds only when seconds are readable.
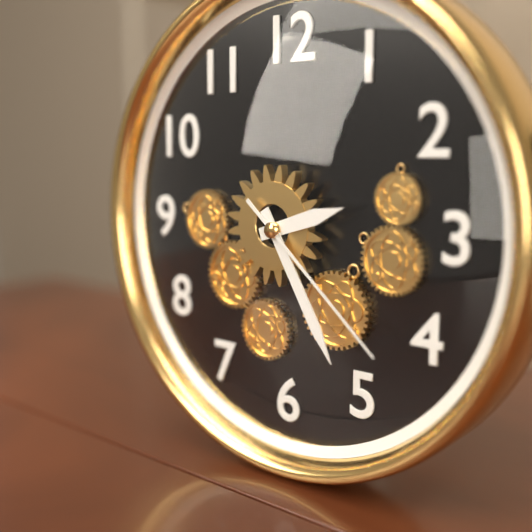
2:25:22
